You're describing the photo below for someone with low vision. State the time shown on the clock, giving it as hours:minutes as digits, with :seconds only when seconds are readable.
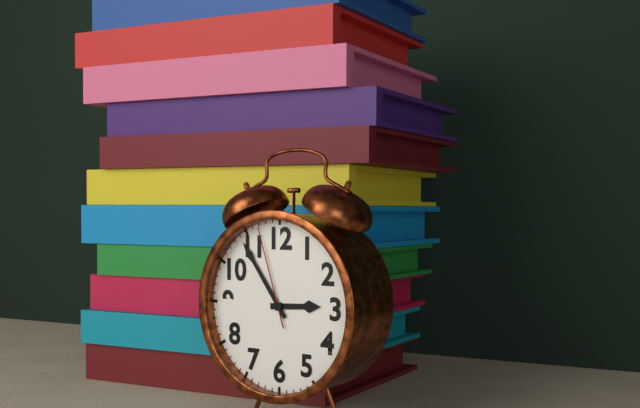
2:54:57
